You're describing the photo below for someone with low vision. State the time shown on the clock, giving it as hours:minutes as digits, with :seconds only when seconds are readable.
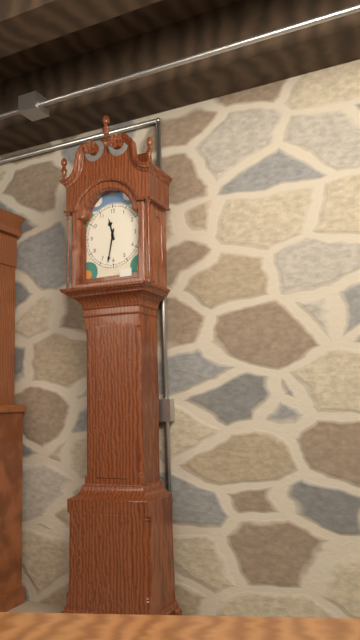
11:32
